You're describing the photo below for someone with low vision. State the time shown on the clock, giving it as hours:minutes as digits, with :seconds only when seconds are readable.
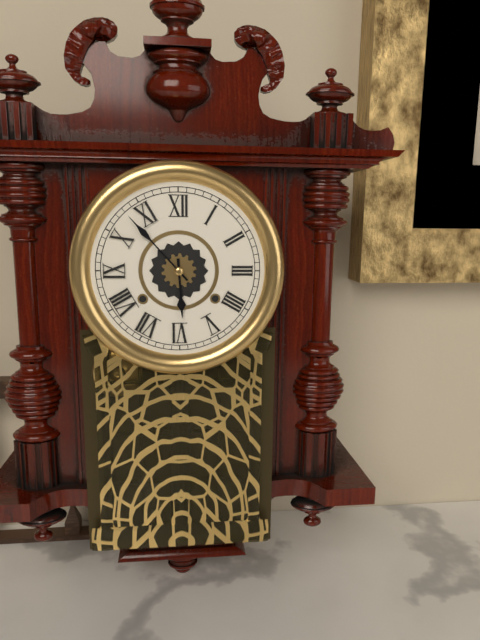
5:53
